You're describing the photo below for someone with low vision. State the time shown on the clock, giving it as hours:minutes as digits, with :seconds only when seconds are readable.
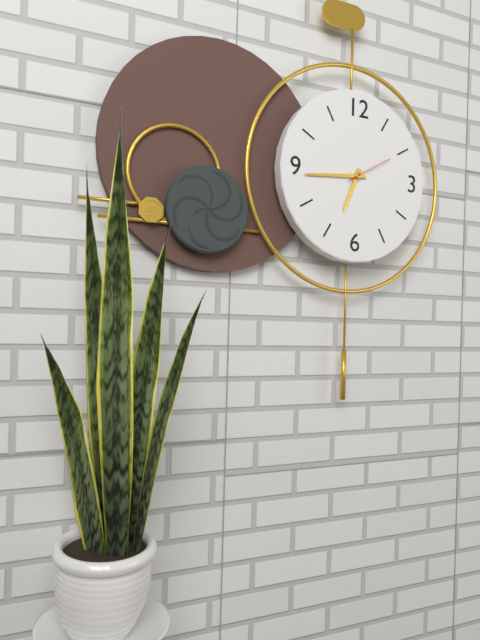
6:44
